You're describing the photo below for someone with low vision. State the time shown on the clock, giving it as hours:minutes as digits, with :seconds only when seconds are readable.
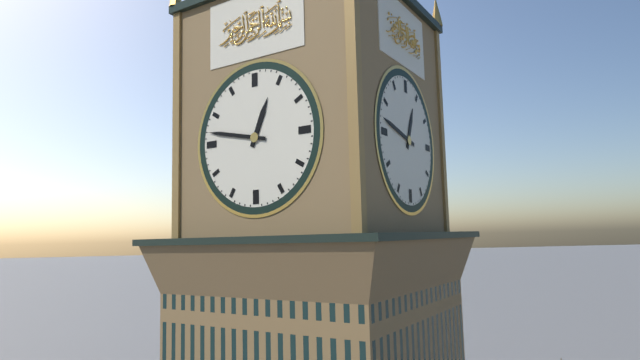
12:47
